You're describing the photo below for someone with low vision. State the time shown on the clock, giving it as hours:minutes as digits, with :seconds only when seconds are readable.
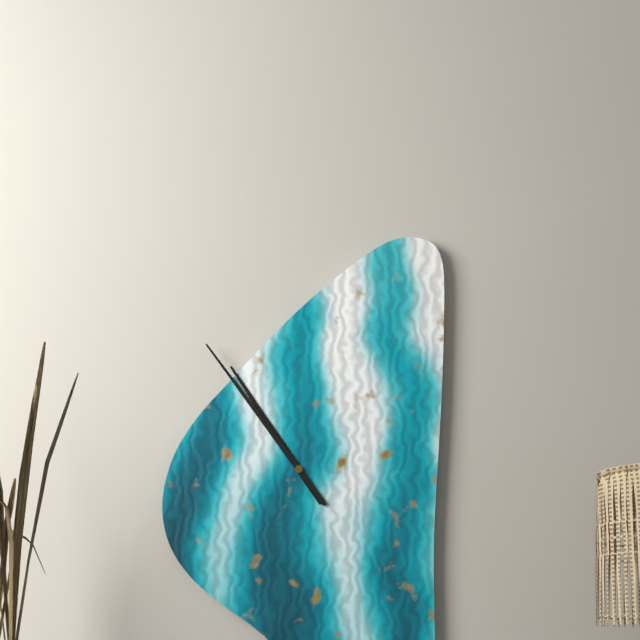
10:54
